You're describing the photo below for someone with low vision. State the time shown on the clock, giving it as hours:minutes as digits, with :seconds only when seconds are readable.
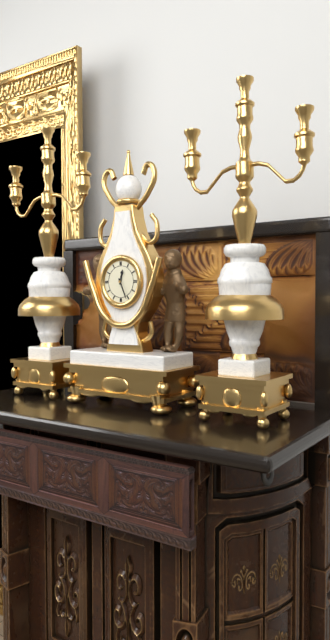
12:26
